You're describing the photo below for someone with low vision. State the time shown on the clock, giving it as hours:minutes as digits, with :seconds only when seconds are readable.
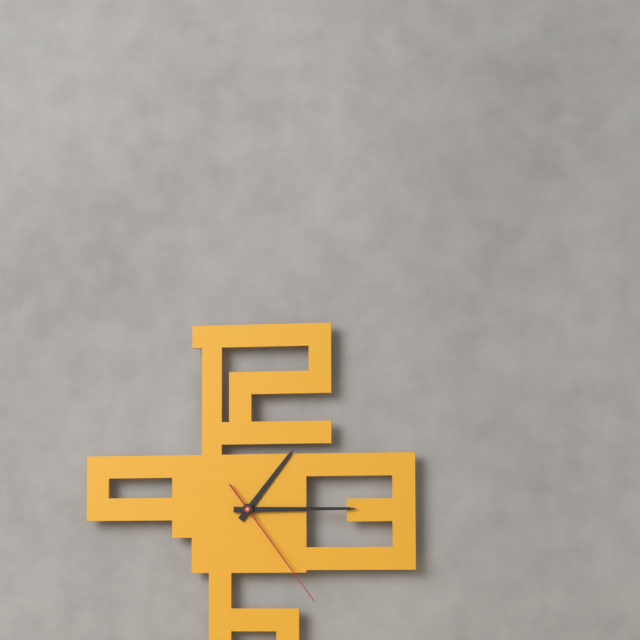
1:15:24
